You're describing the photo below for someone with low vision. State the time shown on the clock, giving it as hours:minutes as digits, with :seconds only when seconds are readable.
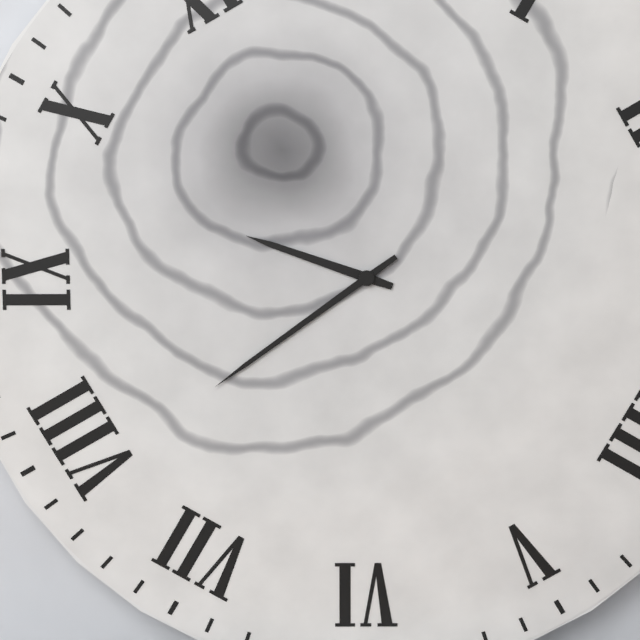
9:39
